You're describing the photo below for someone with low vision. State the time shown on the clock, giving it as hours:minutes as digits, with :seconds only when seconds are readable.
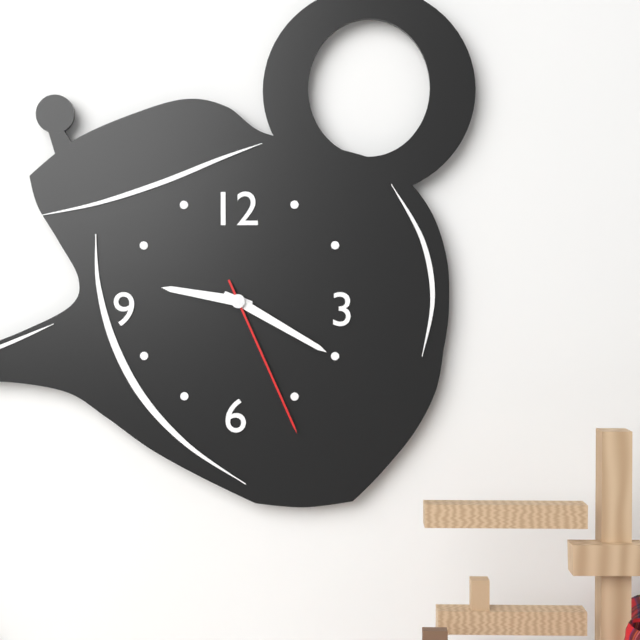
9:20:26
